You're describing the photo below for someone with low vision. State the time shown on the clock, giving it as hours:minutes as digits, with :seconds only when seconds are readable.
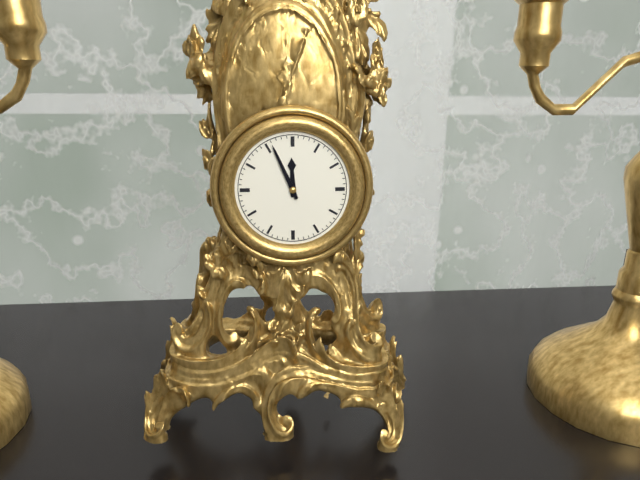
11:56
